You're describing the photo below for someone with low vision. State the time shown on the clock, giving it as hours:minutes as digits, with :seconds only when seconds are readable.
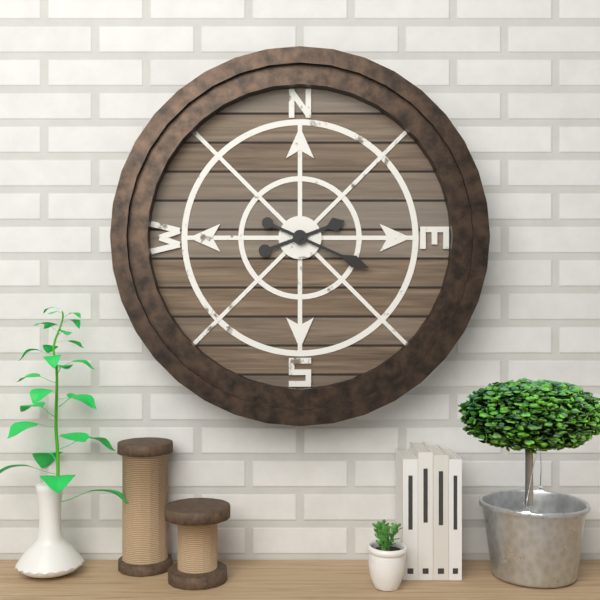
2:19
